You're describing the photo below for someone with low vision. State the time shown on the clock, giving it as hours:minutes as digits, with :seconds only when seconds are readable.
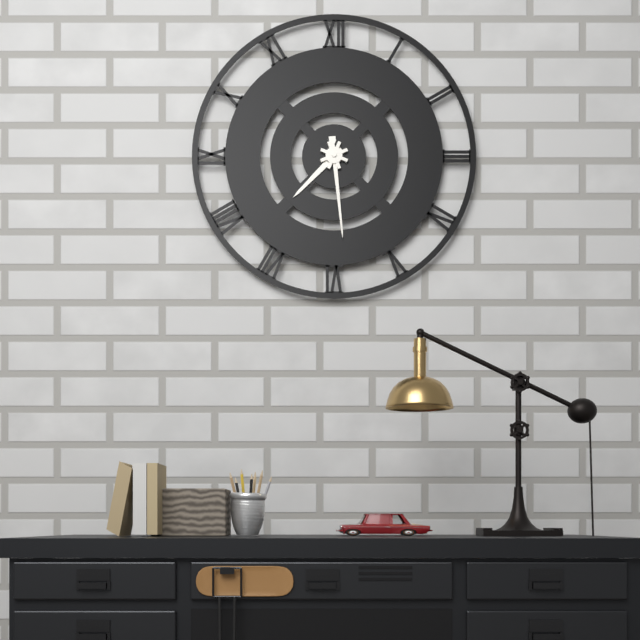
7:29
